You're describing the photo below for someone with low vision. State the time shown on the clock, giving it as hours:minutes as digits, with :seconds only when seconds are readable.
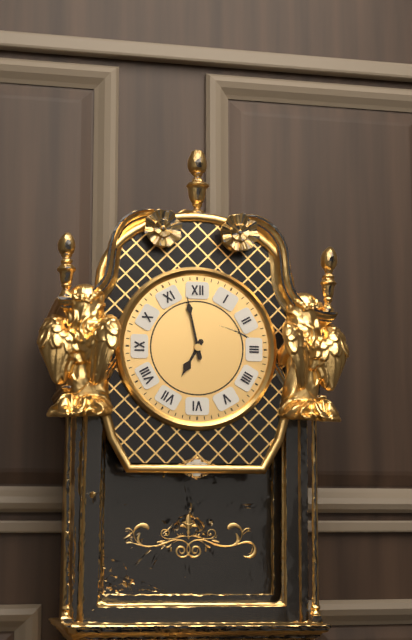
6:58
